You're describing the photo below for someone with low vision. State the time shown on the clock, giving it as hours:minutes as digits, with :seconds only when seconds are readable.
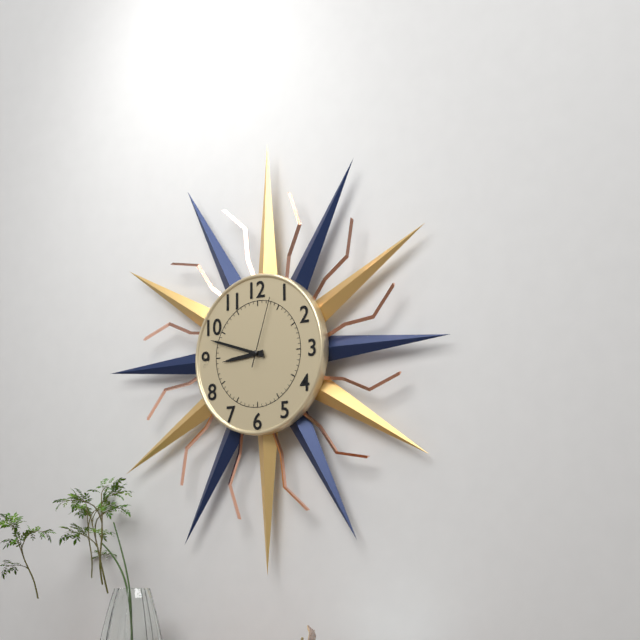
8:48:03
